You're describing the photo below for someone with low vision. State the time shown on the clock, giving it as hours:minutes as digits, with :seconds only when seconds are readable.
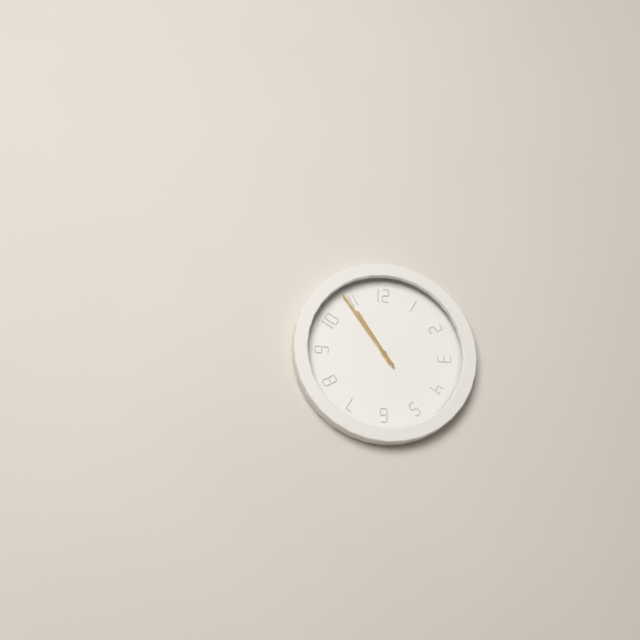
10:54
